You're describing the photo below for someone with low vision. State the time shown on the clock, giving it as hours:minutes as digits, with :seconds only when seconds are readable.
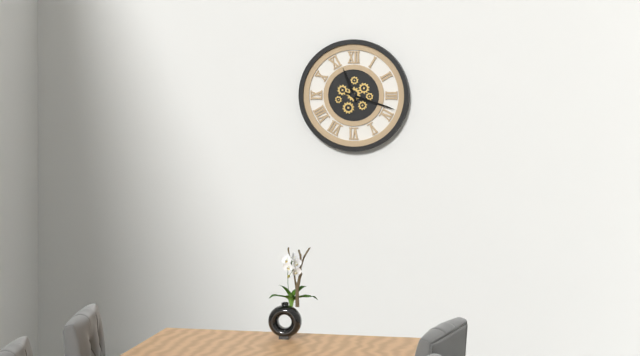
11:18
